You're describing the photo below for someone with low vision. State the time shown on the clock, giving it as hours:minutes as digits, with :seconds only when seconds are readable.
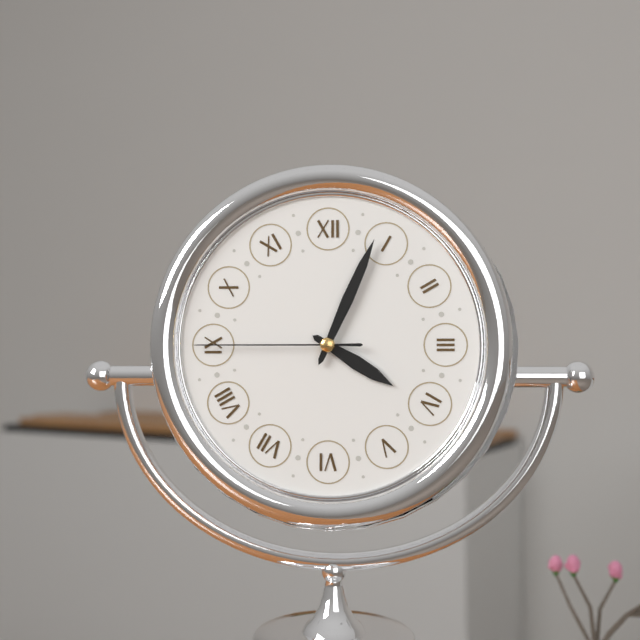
4:04:45
